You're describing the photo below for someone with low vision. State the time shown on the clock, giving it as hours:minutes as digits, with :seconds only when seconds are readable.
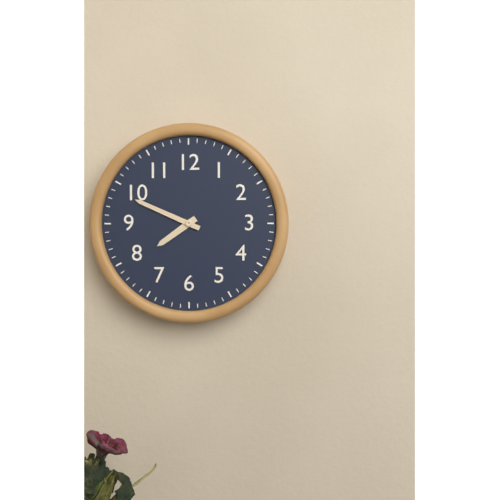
7:49
